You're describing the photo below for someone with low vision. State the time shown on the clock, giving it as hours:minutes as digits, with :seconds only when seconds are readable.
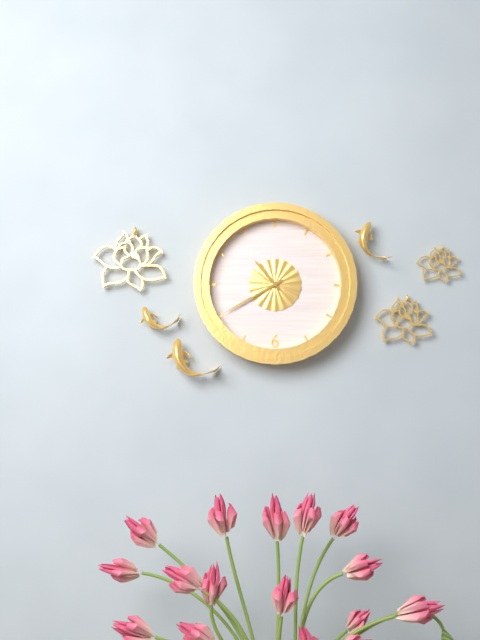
10:40
